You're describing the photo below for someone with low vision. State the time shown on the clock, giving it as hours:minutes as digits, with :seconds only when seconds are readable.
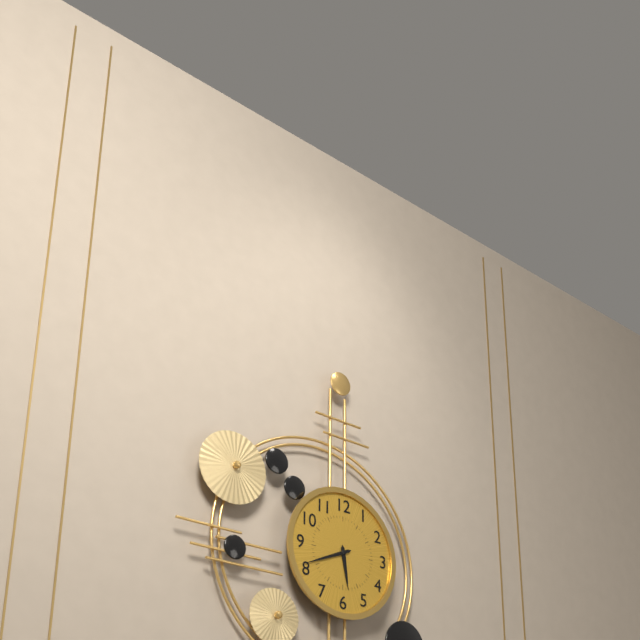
5:41
